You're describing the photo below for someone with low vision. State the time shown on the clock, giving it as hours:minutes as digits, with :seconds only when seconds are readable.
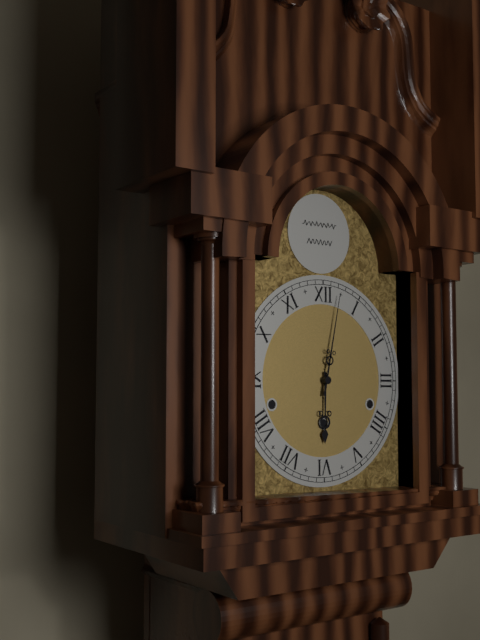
6:02
